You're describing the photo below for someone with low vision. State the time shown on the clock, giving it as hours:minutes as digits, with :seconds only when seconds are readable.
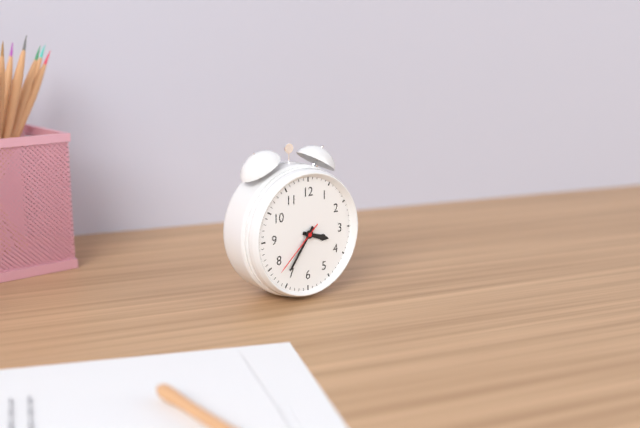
3:36:38
